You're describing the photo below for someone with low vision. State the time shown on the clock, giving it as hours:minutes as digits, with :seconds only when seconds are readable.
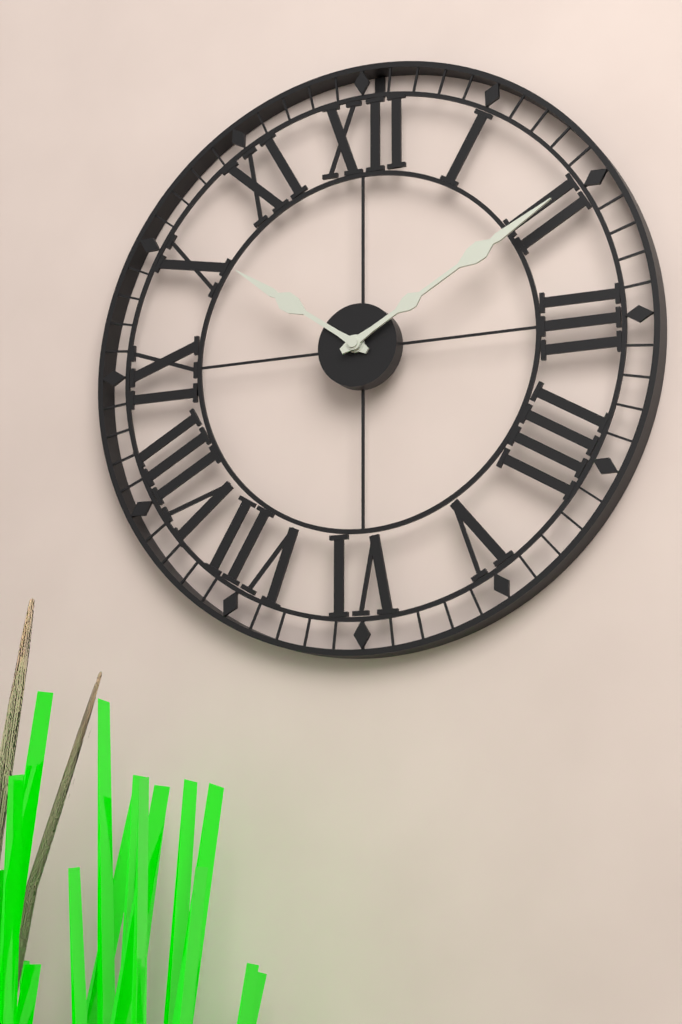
10:10
